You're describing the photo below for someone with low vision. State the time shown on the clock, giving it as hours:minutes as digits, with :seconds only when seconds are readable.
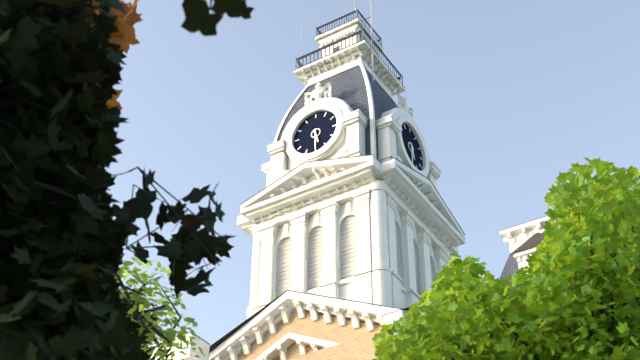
5:30
